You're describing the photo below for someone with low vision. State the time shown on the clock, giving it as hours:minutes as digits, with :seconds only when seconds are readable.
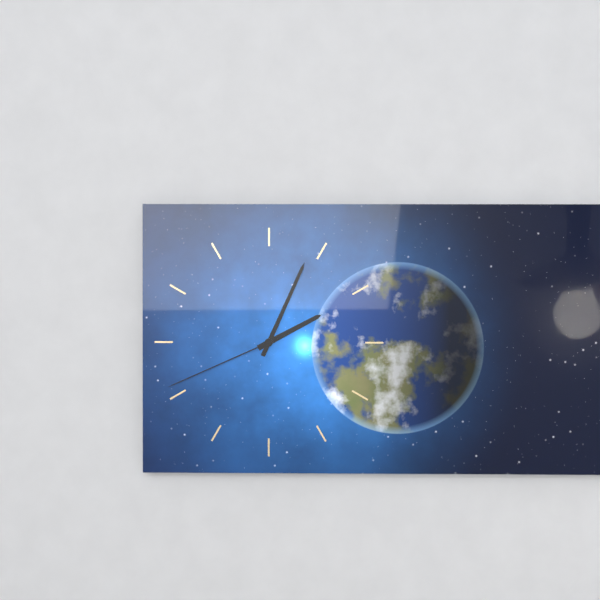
2:04:41
